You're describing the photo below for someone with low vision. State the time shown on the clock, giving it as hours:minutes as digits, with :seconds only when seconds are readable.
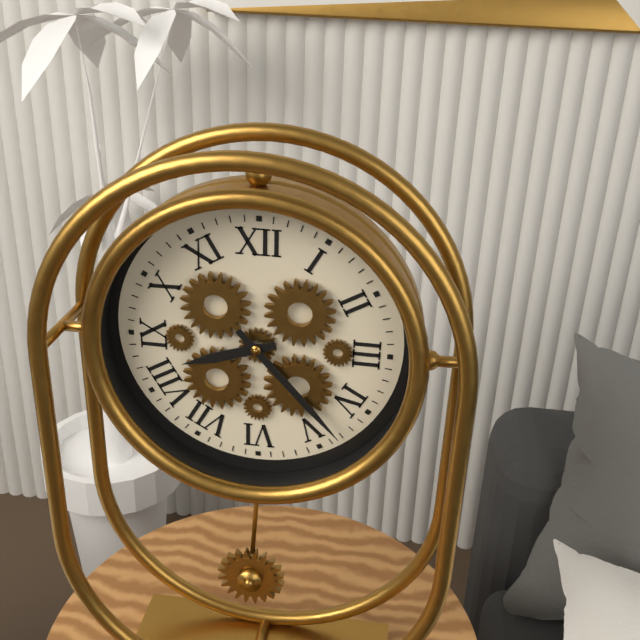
8:23
